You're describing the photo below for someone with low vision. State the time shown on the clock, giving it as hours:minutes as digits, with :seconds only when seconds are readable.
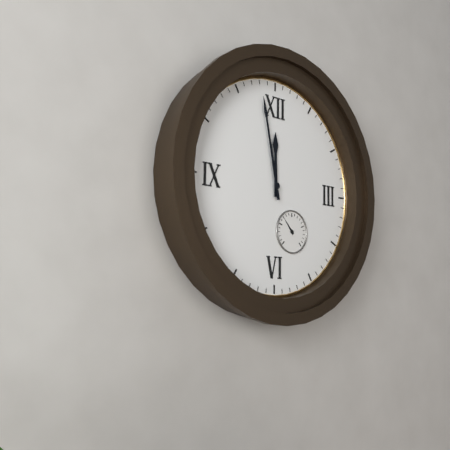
11:58
